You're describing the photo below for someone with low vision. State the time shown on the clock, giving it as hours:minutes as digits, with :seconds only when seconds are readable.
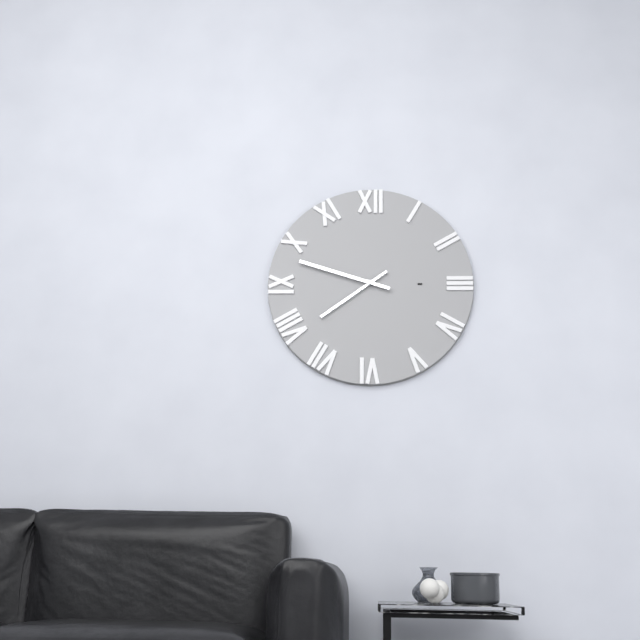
7:48
